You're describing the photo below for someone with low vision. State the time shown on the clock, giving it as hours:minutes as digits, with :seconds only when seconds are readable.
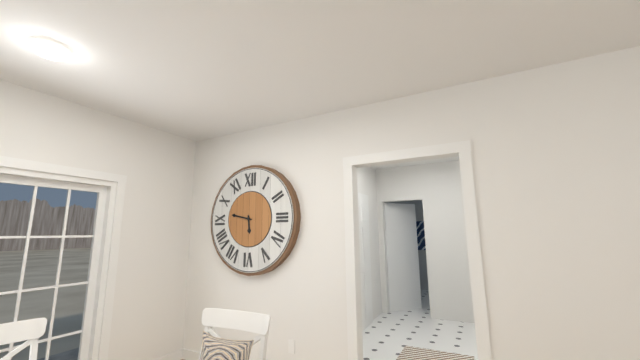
5:47
